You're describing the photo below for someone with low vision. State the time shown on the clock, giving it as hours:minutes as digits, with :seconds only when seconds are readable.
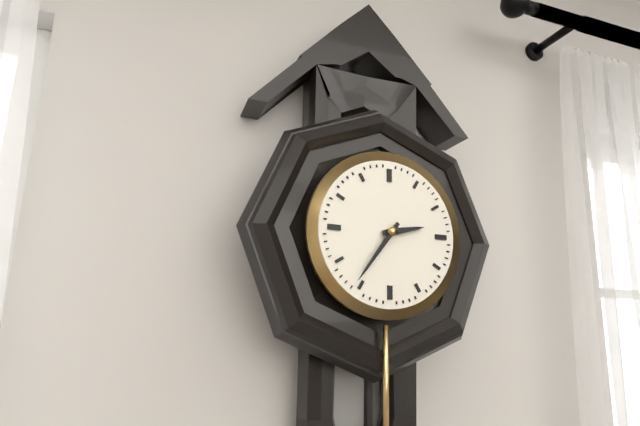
2:36
